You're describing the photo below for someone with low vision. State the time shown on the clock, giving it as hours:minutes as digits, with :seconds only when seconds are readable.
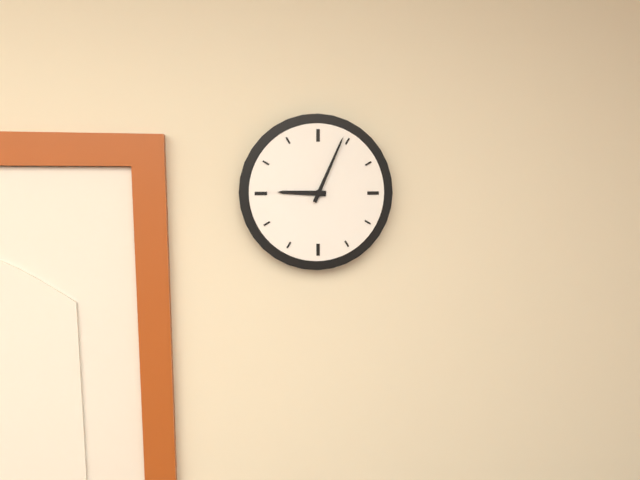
9:04
